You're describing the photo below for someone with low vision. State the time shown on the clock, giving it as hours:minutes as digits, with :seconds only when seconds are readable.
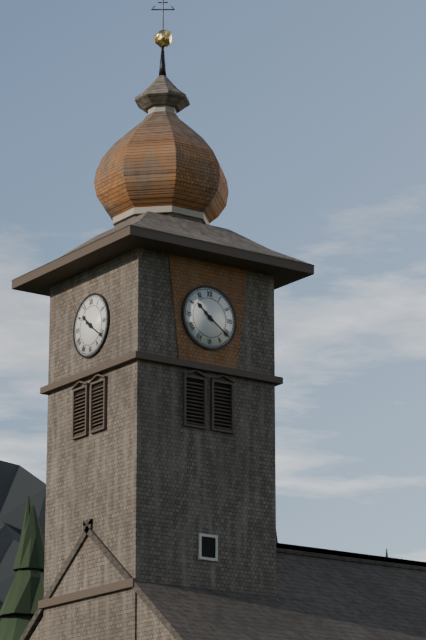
10:21
